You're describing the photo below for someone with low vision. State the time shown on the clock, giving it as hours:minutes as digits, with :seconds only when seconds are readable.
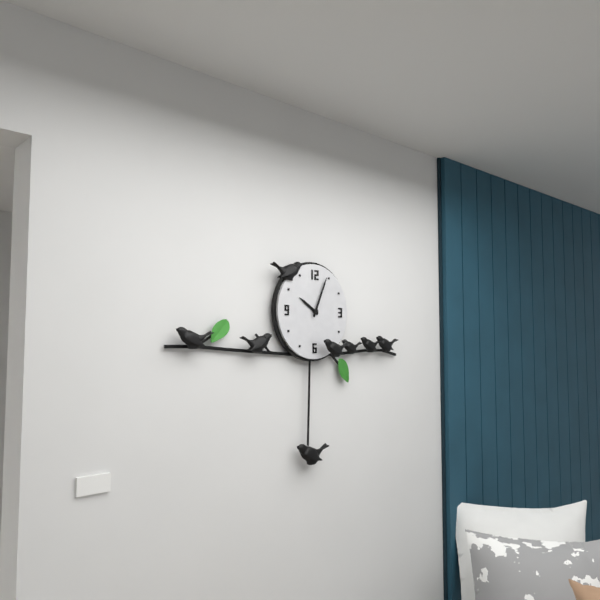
10:04
